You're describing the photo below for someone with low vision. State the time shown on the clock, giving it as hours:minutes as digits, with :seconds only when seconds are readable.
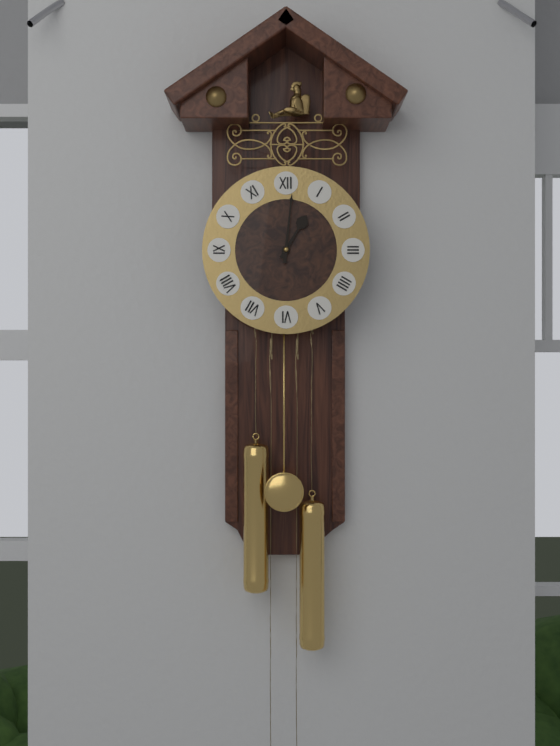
1:01
